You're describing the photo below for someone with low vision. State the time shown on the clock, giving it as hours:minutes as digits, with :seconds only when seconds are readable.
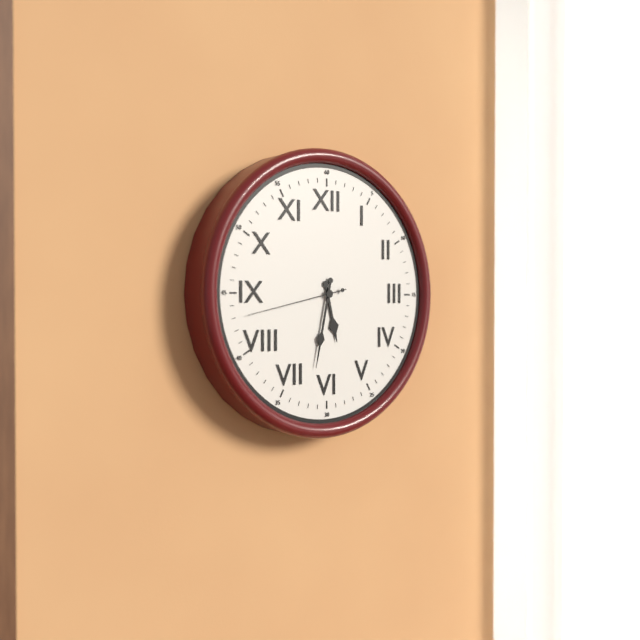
5:32:43
